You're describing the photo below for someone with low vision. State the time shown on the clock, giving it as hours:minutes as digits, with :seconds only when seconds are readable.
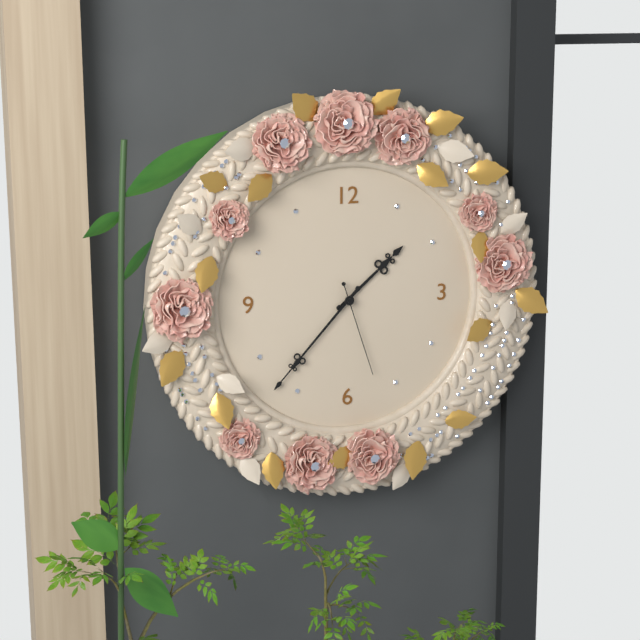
1:37:27
